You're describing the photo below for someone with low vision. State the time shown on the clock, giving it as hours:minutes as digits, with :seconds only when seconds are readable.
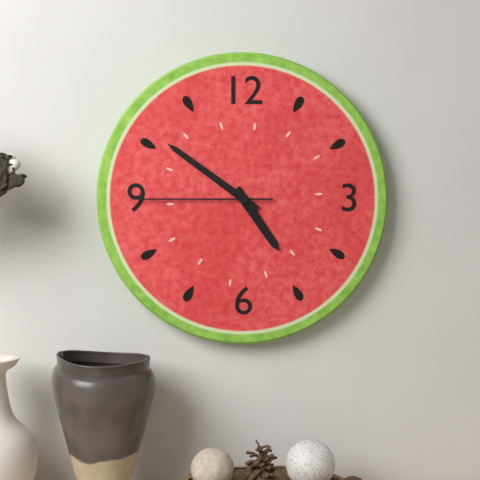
4:51:45
